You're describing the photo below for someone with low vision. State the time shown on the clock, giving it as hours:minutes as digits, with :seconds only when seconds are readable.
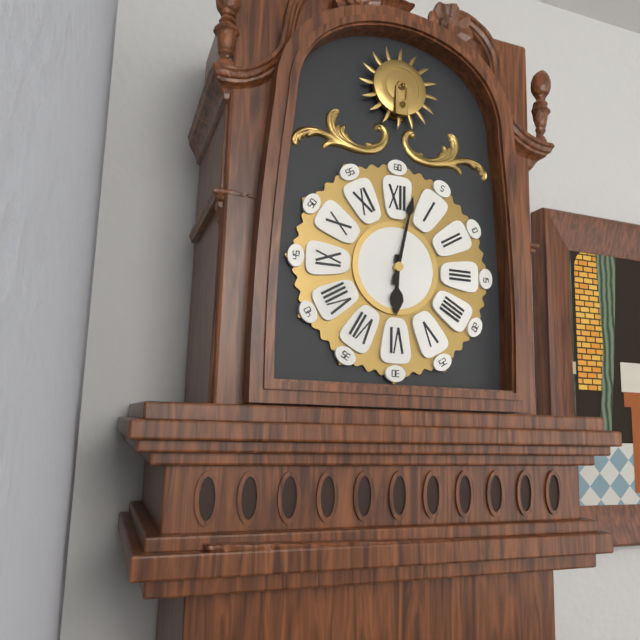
6:02
